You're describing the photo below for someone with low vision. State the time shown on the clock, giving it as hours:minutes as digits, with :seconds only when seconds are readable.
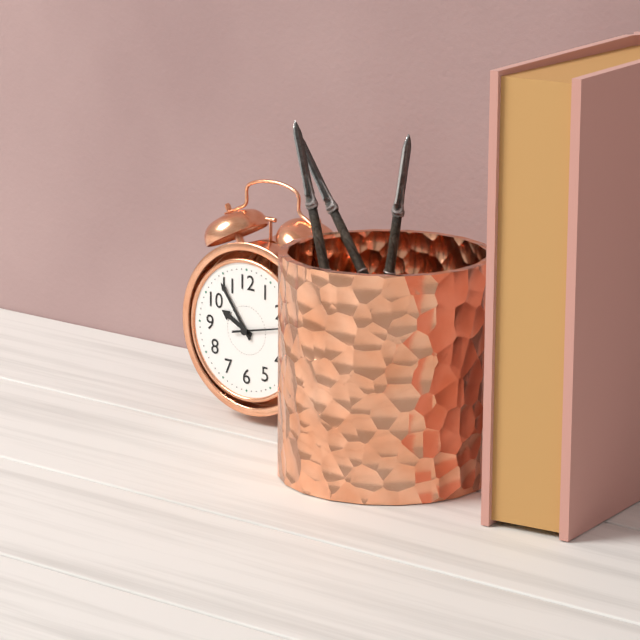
9:54:13
